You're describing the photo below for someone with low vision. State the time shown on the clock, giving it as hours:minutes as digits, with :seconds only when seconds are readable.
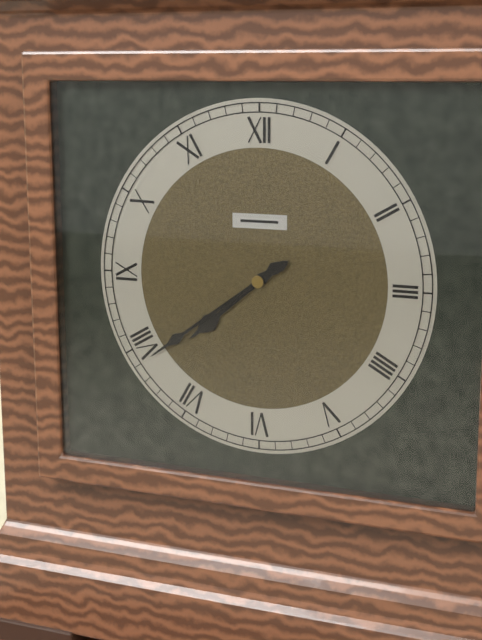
7:39
